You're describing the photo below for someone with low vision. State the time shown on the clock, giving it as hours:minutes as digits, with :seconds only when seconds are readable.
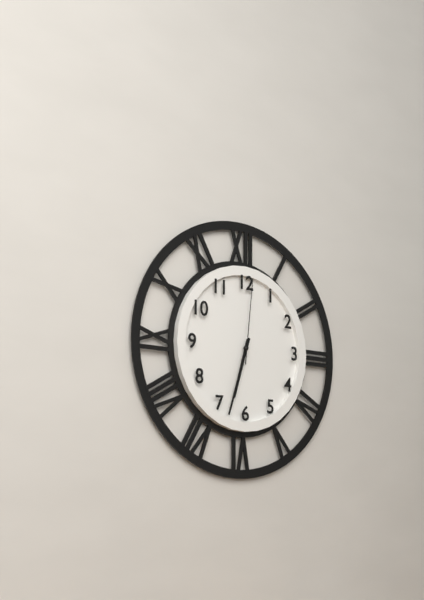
6:33:01
